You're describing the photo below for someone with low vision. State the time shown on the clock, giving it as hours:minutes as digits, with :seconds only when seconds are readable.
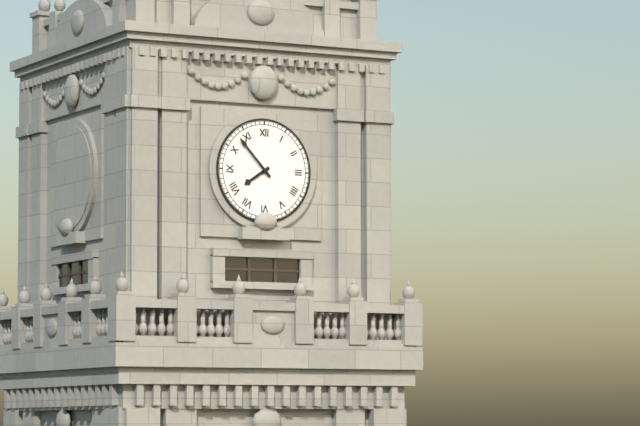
7:53
